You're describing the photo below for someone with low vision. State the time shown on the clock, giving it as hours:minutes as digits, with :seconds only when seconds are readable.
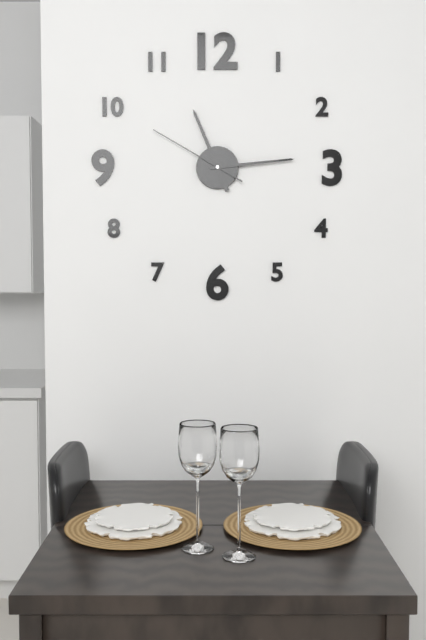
11:14:50
